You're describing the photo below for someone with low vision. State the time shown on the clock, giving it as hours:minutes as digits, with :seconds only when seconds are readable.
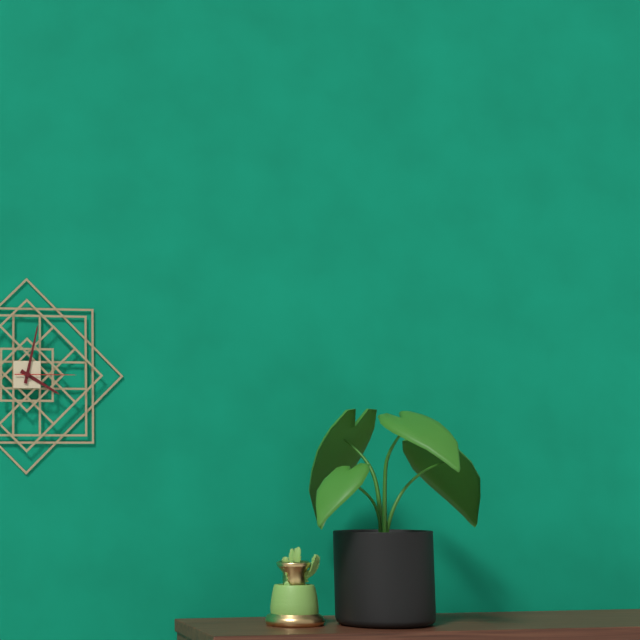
4:02:15
